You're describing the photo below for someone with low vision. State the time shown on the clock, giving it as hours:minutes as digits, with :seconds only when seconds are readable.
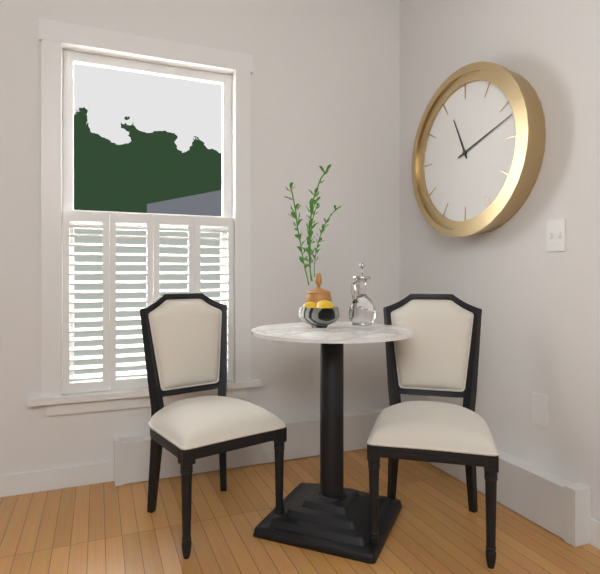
11:12
